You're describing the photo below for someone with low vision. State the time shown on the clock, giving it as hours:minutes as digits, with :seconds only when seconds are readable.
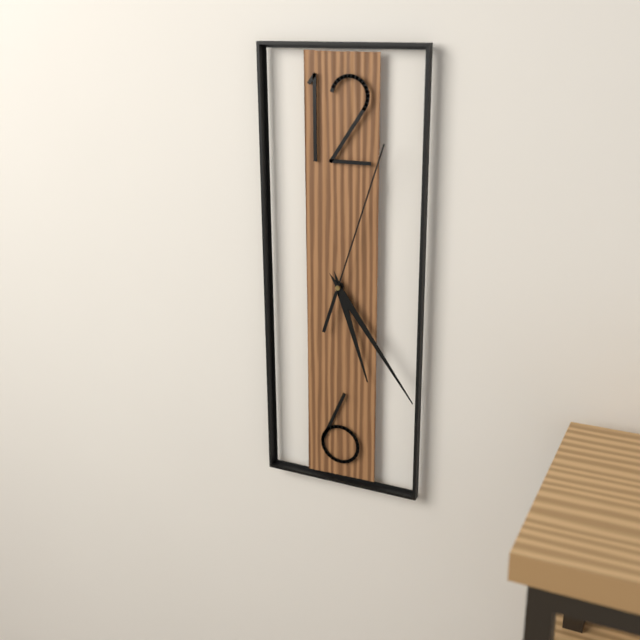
5:24:03
